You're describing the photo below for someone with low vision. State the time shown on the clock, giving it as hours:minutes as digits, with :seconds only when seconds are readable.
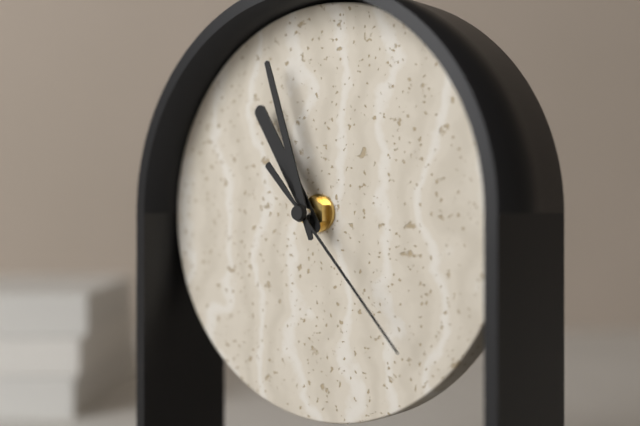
10:57:23
